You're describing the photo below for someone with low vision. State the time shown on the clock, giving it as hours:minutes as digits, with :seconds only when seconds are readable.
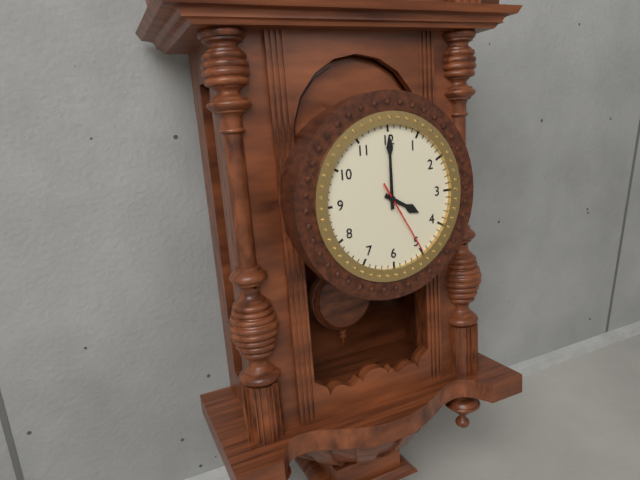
4:00:25
